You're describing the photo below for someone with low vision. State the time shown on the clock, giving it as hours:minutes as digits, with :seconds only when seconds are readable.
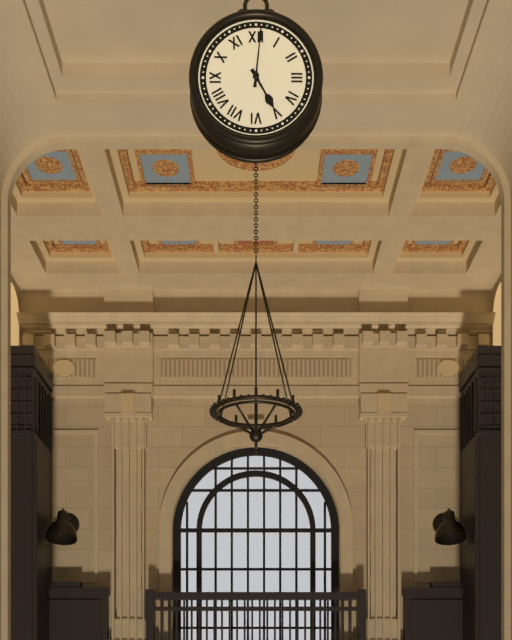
5:01
